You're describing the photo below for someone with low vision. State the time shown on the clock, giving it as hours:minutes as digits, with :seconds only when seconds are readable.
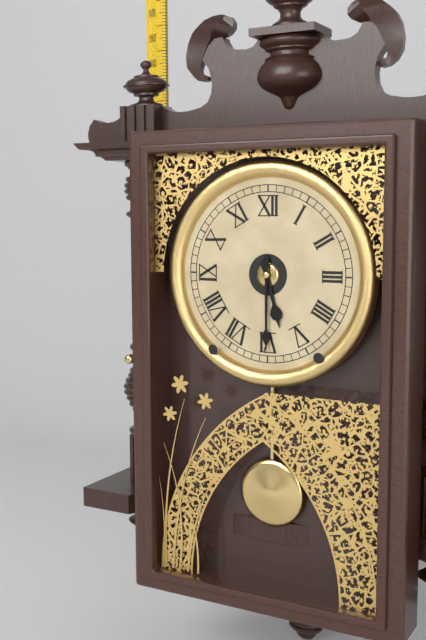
5:30
